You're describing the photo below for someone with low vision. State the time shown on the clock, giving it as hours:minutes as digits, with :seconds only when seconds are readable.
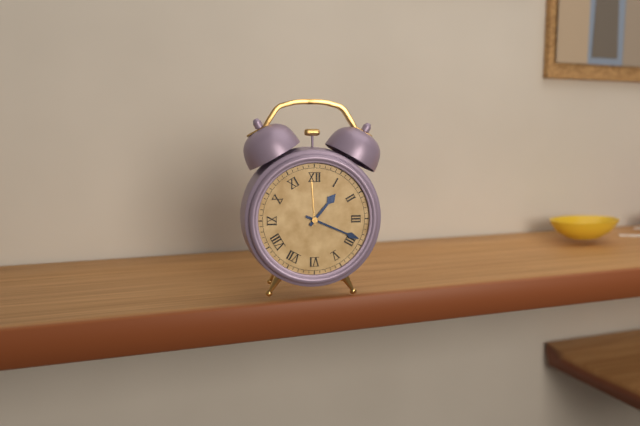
1:19
